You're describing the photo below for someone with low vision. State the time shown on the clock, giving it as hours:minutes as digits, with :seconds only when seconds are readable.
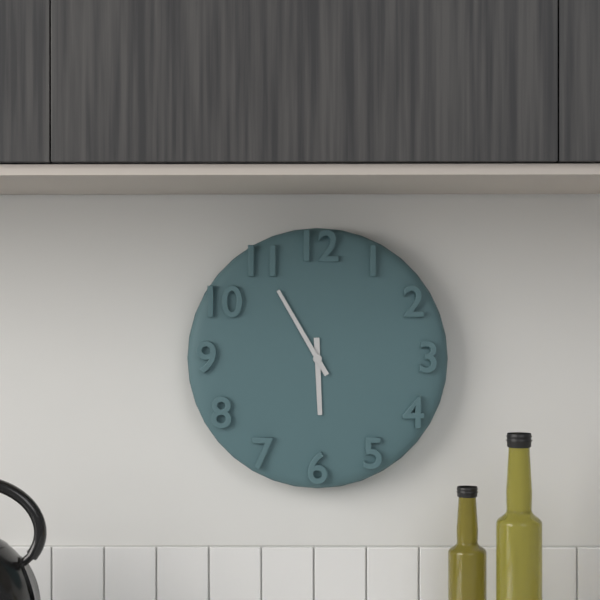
5:55
